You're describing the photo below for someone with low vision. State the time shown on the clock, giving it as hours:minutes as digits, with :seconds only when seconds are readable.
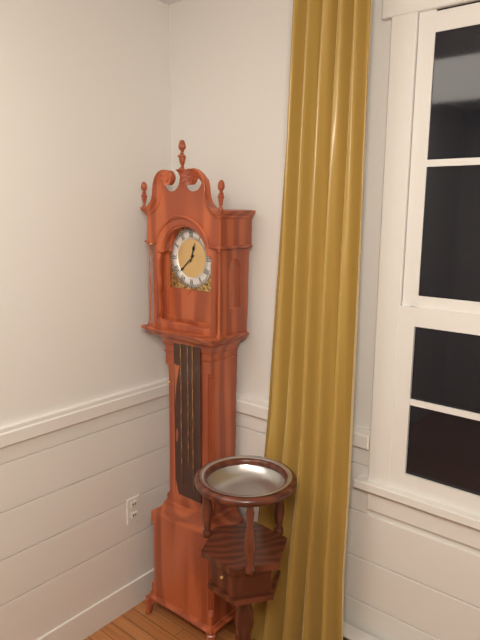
12:38
